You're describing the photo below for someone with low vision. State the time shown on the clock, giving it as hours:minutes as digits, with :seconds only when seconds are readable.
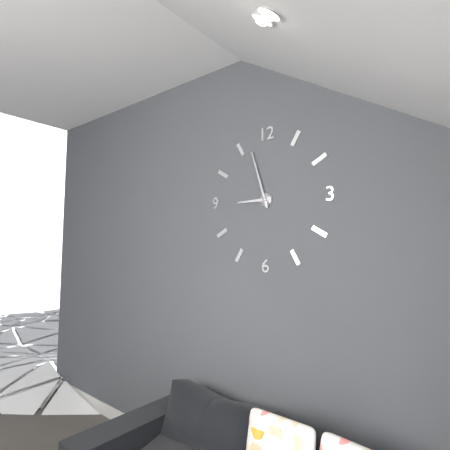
8:57
